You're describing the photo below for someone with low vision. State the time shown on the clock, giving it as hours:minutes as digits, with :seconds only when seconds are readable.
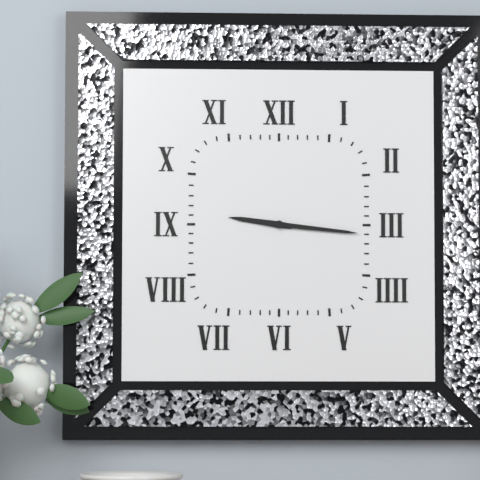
9:16
